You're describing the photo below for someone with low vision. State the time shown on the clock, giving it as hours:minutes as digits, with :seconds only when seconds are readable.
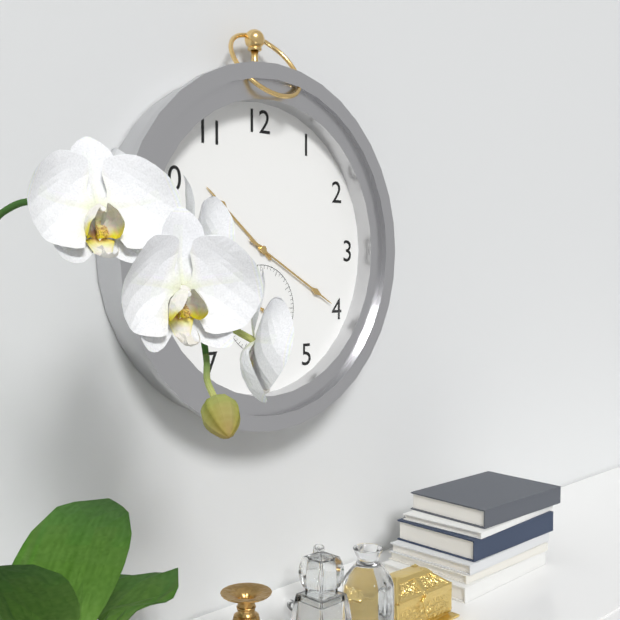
10:20
